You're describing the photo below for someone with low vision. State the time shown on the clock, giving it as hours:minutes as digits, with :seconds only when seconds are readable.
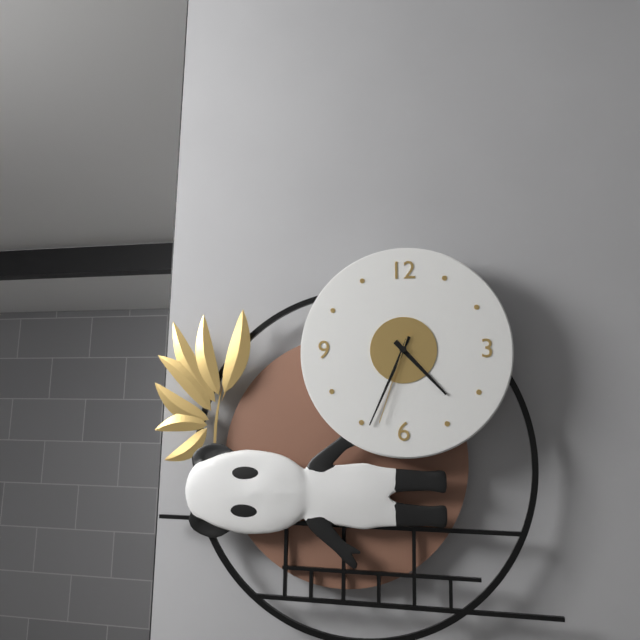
4:34:33
